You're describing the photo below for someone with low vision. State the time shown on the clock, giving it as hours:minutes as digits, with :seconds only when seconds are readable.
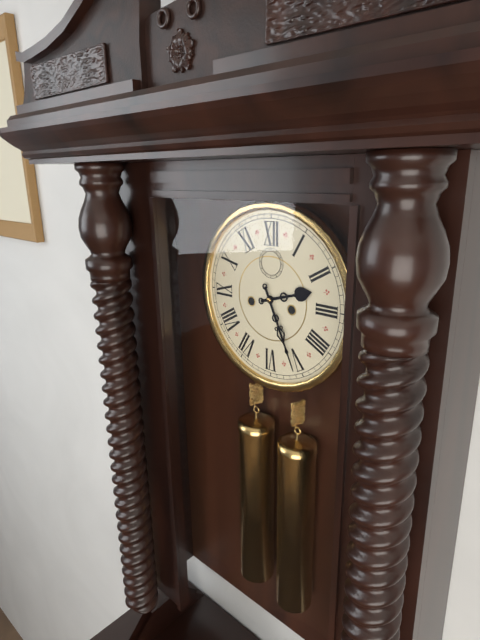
2:26
